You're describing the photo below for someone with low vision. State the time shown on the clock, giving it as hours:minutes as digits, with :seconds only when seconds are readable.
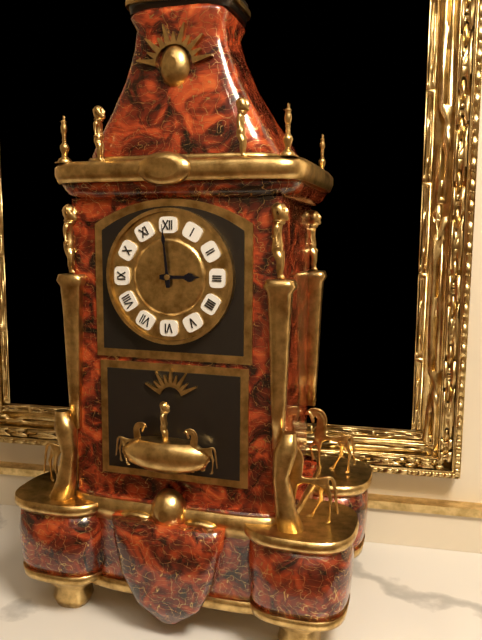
2:59
